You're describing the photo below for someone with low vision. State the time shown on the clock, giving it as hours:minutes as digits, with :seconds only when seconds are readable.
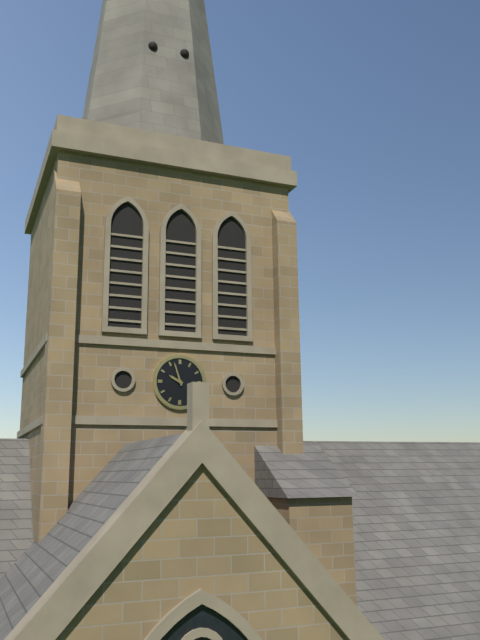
9:57
